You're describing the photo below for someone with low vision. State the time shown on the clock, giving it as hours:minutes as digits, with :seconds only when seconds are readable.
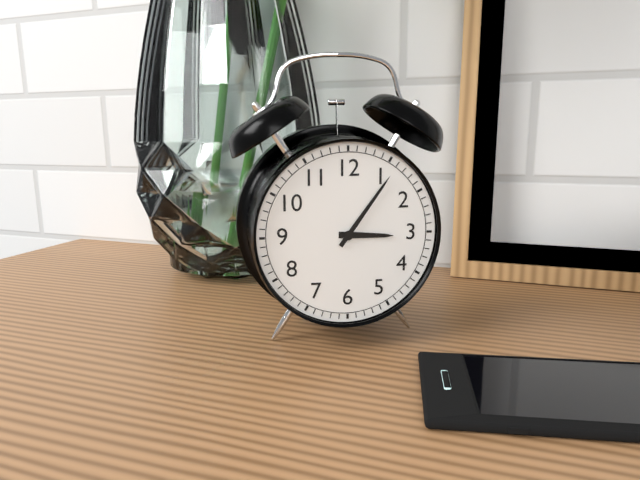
3:06
